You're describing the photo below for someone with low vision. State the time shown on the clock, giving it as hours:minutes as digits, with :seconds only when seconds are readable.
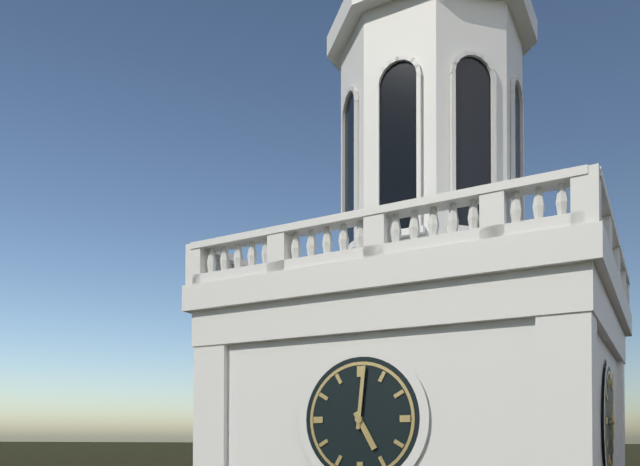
5:01
